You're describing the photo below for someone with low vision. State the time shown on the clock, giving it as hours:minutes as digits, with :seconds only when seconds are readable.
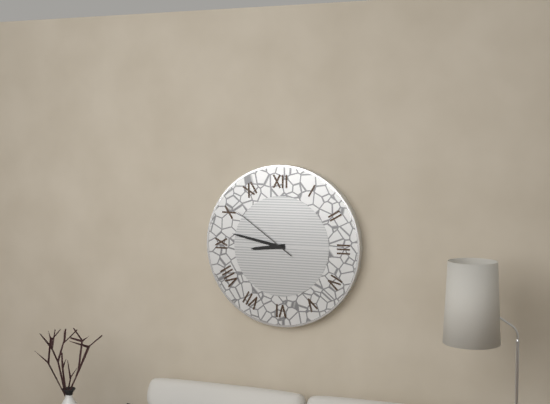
8:47:51
